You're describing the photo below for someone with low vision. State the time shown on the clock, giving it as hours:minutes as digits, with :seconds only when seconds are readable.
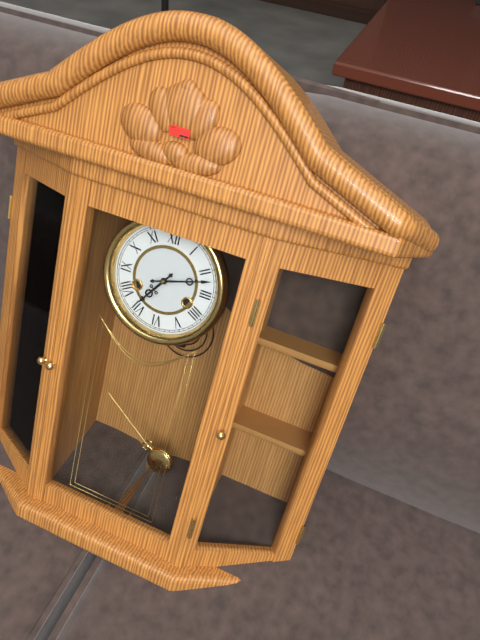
7:12
